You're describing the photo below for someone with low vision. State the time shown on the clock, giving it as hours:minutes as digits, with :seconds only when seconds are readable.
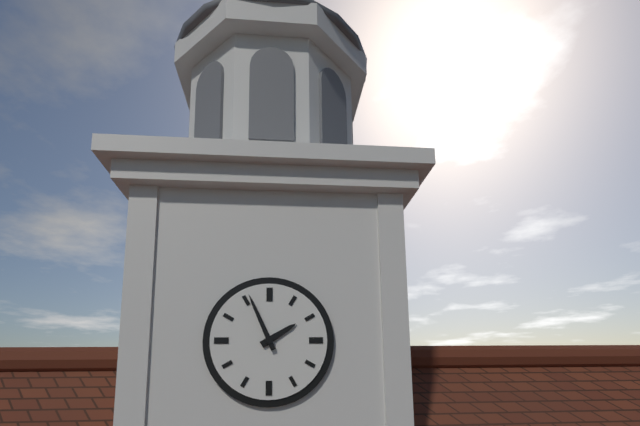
1:56
